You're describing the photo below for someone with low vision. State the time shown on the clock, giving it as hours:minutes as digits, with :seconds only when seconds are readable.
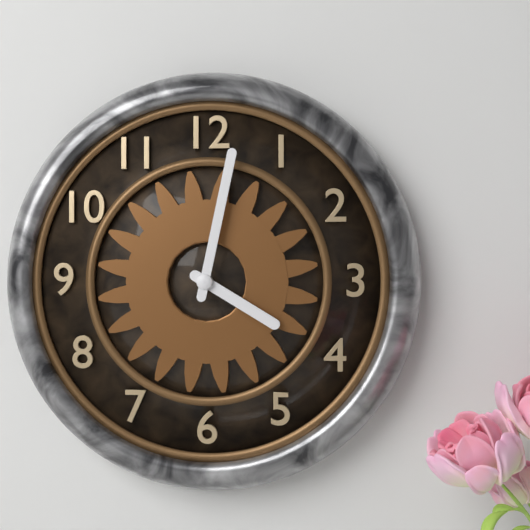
4:02
